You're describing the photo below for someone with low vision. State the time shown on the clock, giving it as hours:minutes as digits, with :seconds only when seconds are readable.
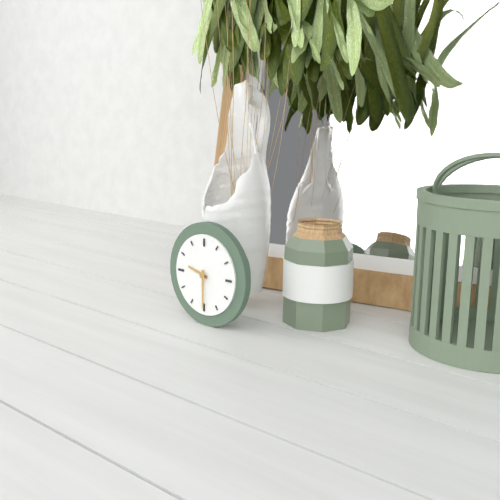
9:30
